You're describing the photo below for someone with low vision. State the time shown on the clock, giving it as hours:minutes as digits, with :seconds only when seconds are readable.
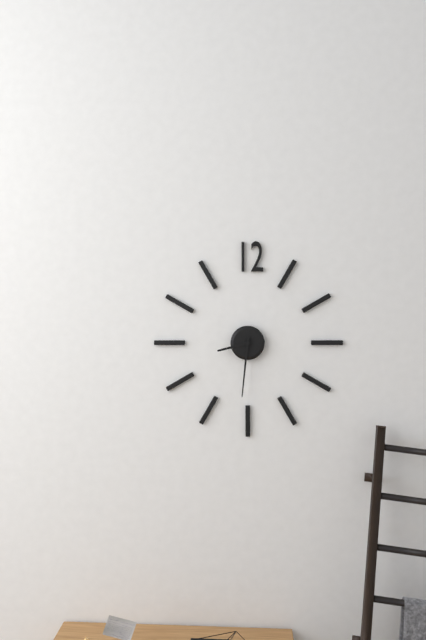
8:31
